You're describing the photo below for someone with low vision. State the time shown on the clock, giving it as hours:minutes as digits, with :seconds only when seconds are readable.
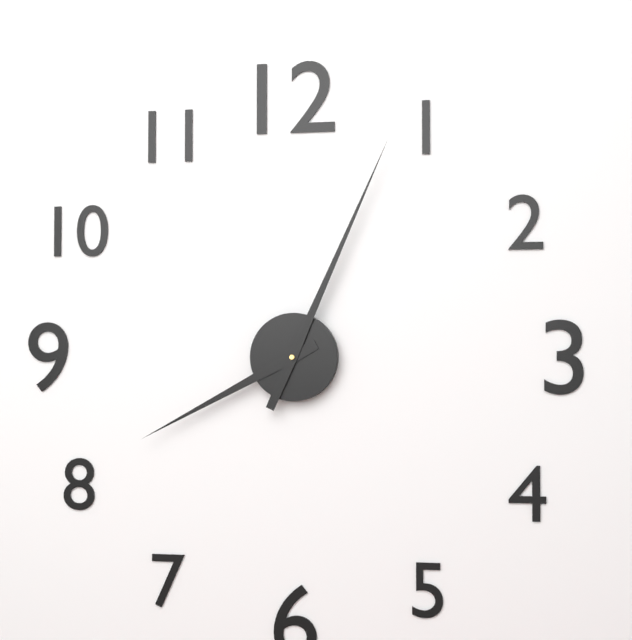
8:04
